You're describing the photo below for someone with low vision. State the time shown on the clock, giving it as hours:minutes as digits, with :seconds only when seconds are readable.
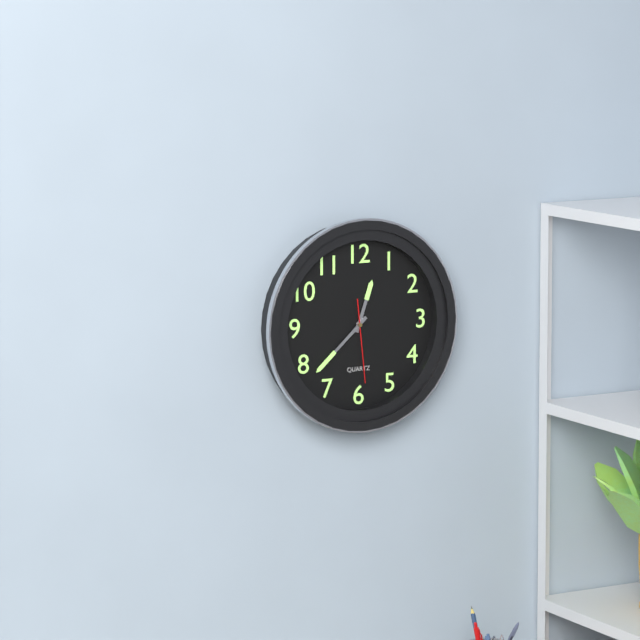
12:38:29
